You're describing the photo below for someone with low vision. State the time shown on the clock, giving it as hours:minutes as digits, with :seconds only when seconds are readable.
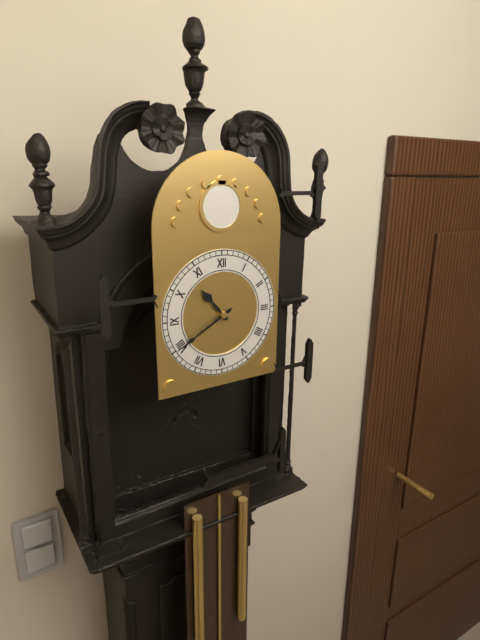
10:40
